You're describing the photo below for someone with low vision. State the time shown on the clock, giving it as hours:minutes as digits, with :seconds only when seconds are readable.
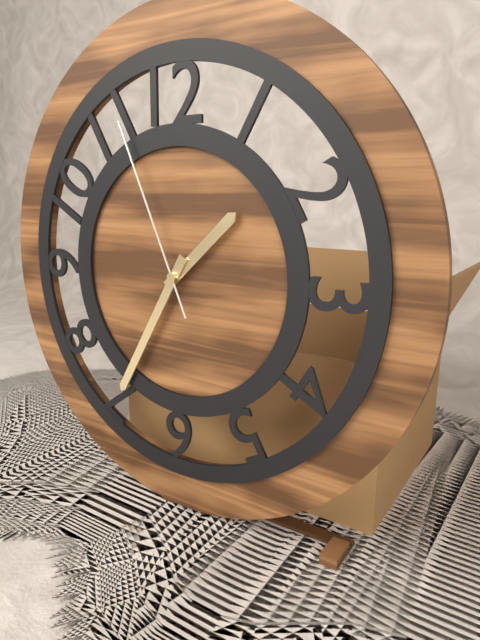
1:35:56
